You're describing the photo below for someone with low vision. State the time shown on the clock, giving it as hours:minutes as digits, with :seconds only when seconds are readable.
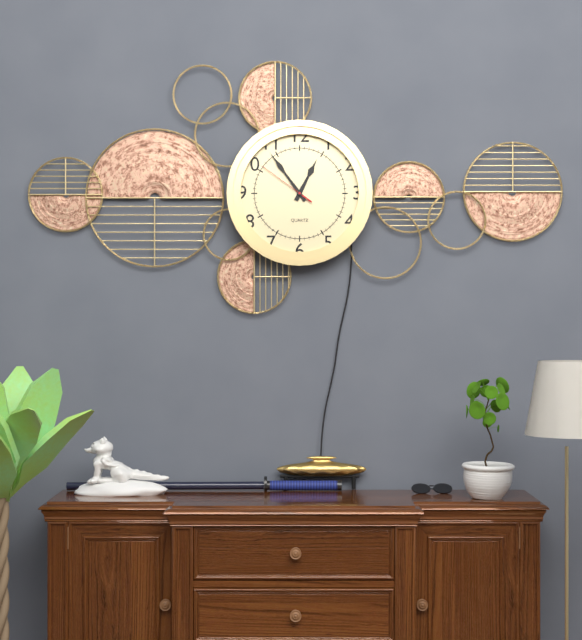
12:54:51
